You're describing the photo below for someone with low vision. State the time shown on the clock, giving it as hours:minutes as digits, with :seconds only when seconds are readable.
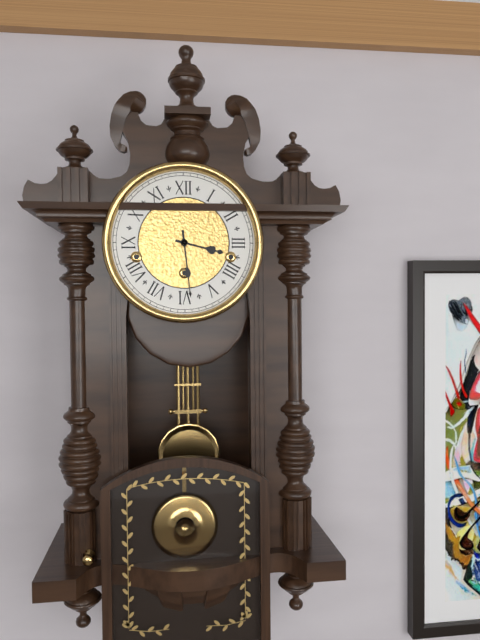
3:29
